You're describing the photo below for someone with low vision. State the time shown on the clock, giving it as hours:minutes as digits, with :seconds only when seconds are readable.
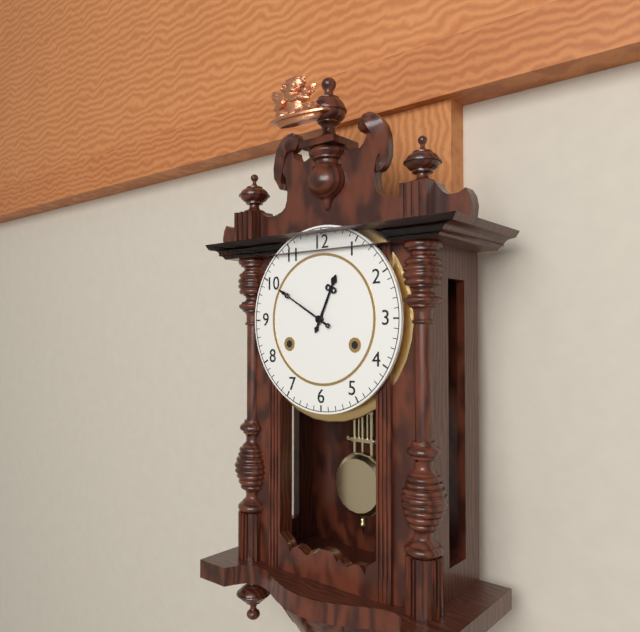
12:50
